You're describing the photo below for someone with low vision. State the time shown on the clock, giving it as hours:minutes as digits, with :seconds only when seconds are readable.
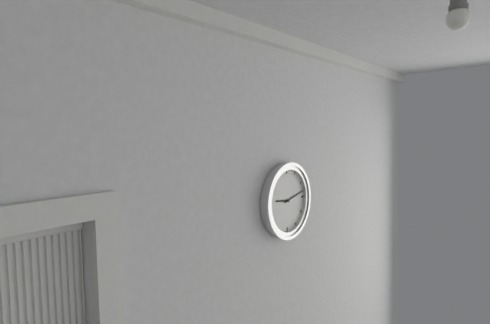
9:13
